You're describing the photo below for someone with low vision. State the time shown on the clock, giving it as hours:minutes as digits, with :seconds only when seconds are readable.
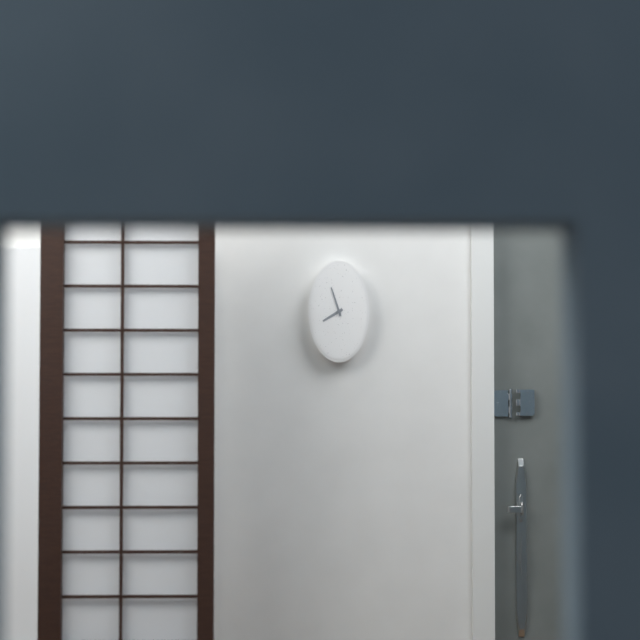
7:57
